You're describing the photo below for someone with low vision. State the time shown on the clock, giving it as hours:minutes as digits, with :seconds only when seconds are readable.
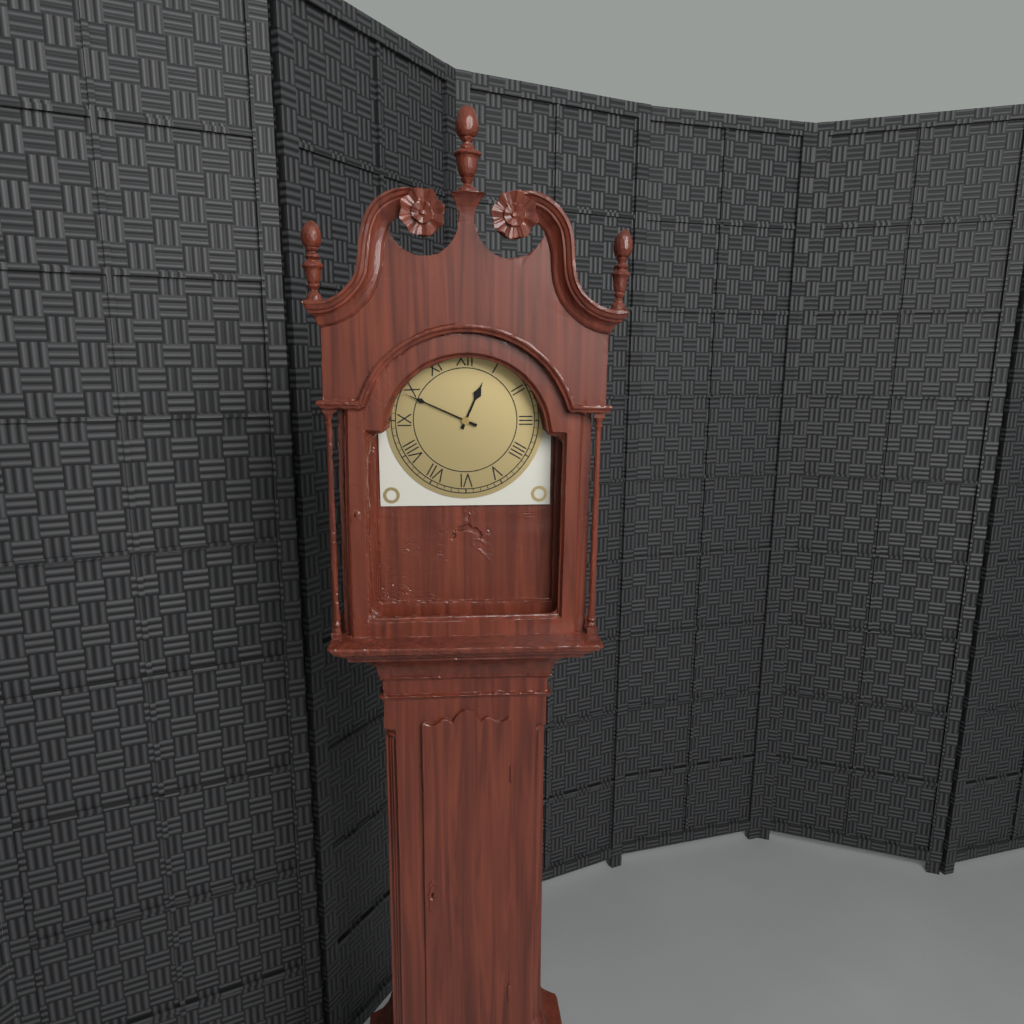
12:49
